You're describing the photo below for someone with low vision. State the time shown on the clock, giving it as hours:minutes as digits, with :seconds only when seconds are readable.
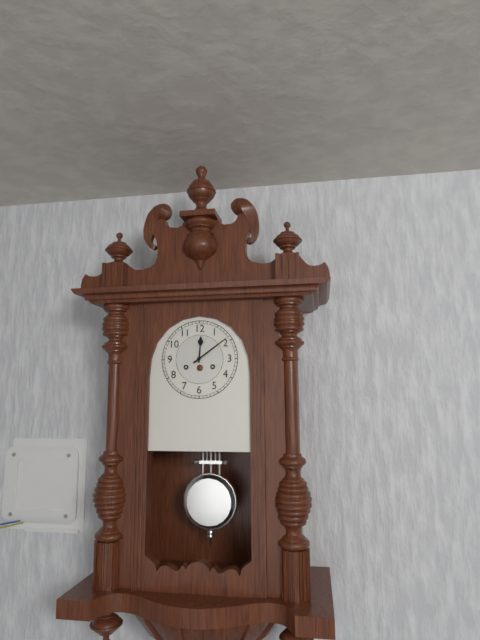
12:09
